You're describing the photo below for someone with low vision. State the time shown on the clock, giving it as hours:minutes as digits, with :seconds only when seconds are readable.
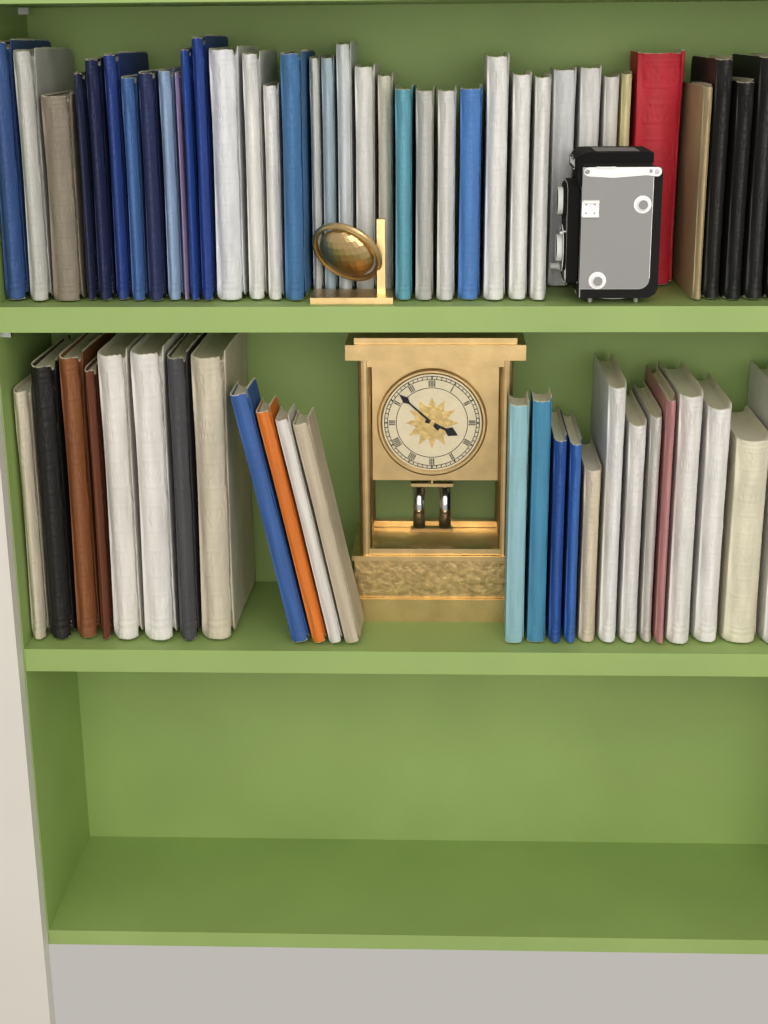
3:52
